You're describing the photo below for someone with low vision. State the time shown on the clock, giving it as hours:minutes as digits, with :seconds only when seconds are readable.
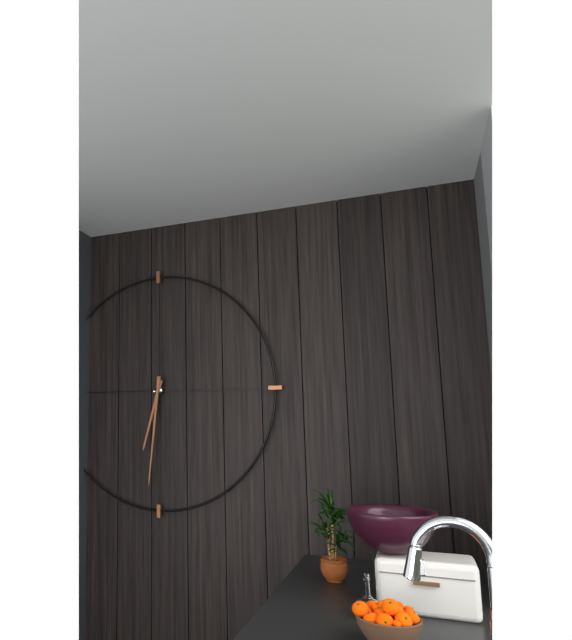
6:31
